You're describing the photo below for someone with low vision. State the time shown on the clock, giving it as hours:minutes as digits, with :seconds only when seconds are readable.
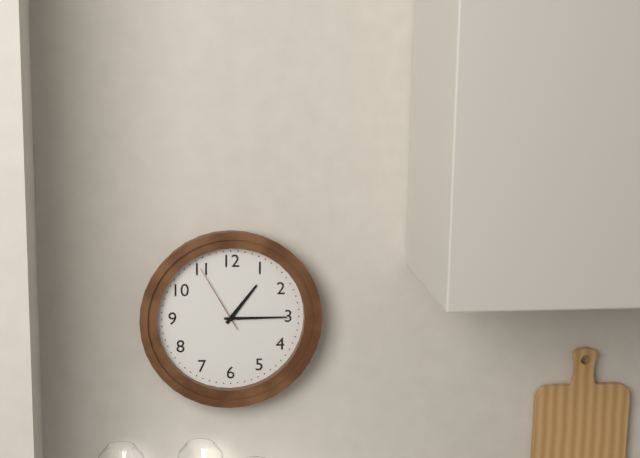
1:15:55
